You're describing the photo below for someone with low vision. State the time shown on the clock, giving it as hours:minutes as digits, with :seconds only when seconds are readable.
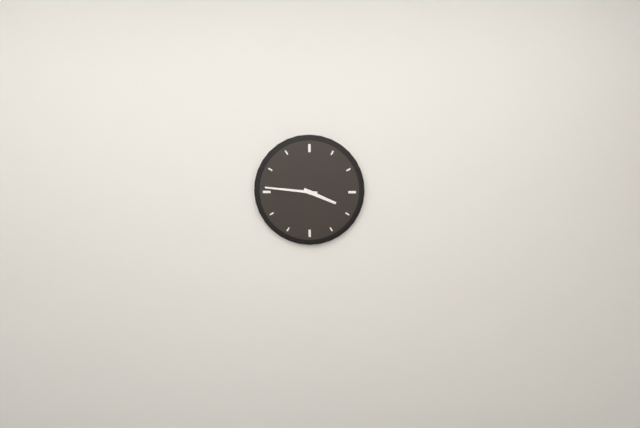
3:46
